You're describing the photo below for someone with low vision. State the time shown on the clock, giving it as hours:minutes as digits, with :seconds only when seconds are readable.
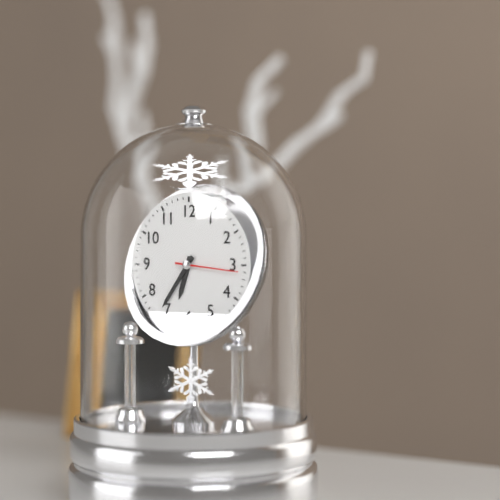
6:36:16
